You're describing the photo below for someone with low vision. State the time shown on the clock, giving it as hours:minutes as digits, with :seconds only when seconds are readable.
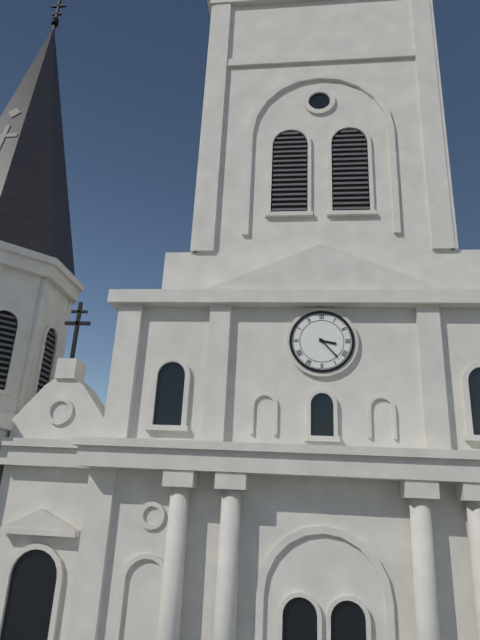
3:23
